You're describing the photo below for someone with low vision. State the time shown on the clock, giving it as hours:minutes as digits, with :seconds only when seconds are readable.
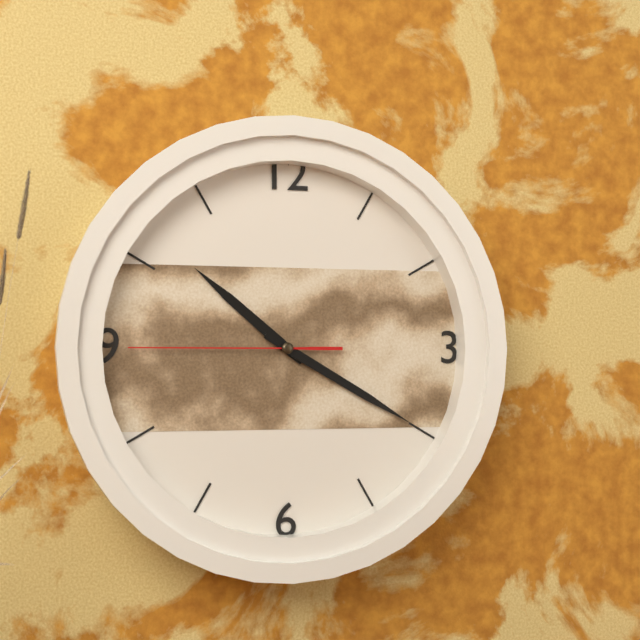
10:20:45
